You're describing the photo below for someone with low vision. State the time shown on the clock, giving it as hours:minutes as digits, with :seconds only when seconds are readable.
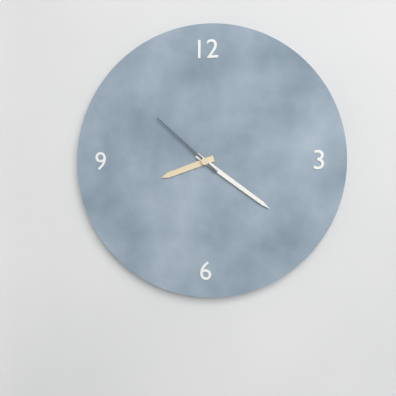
8:21:52
